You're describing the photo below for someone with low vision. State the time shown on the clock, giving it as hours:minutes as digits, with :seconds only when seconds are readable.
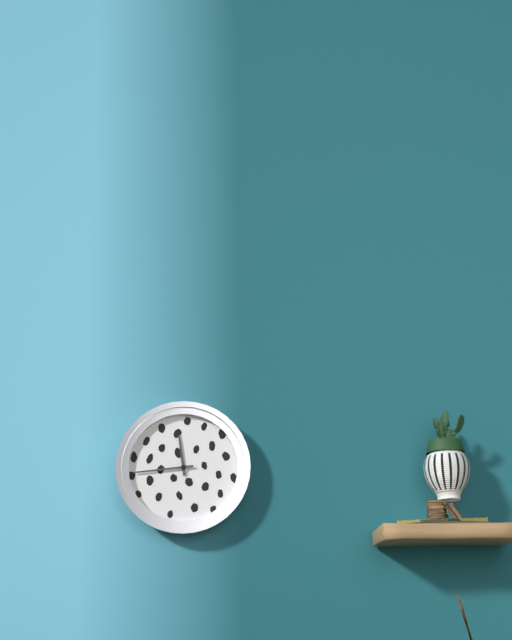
11:44
